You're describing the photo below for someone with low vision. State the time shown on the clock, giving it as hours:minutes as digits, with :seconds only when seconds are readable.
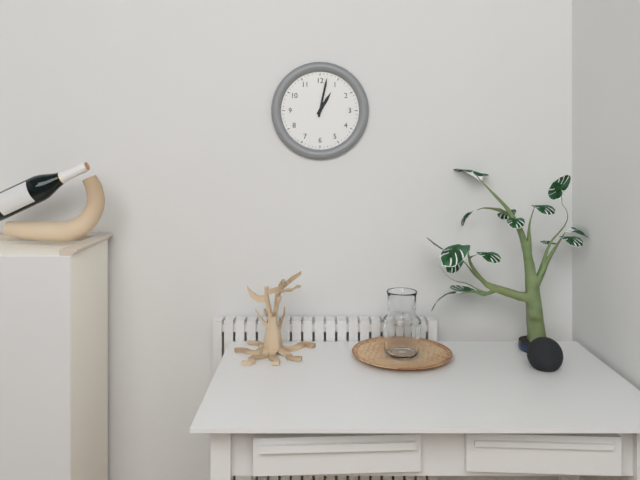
1:02
